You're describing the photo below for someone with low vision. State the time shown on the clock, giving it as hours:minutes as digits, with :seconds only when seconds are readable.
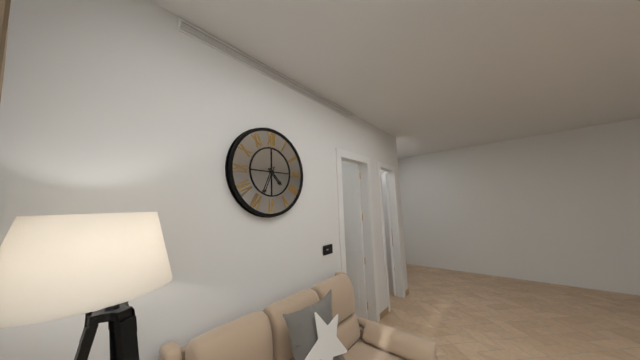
4:34
